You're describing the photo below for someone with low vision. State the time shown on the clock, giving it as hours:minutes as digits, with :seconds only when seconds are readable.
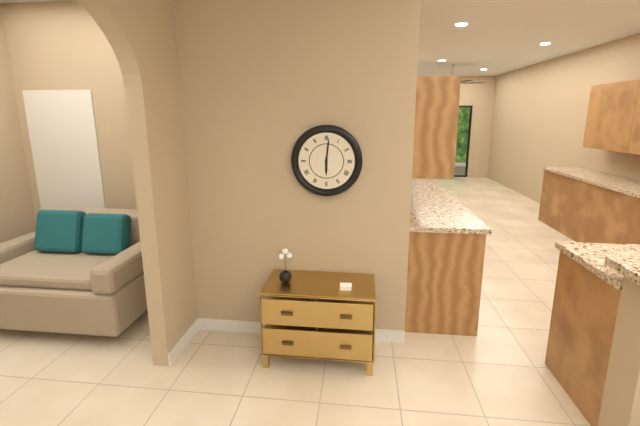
6:01
